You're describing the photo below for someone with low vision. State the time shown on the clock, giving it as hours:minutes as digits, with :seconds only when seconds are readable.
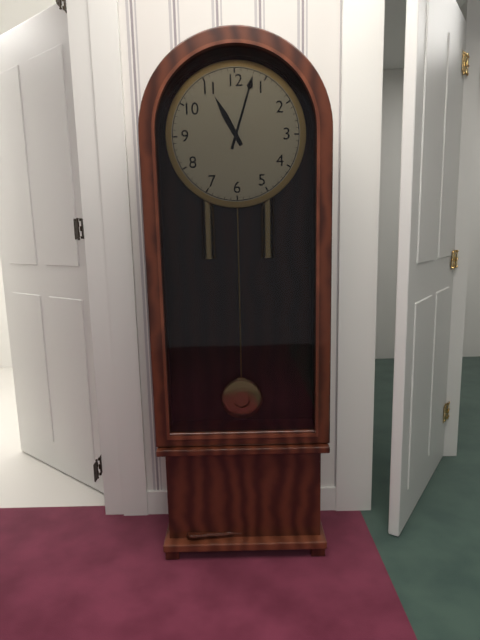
11:03
